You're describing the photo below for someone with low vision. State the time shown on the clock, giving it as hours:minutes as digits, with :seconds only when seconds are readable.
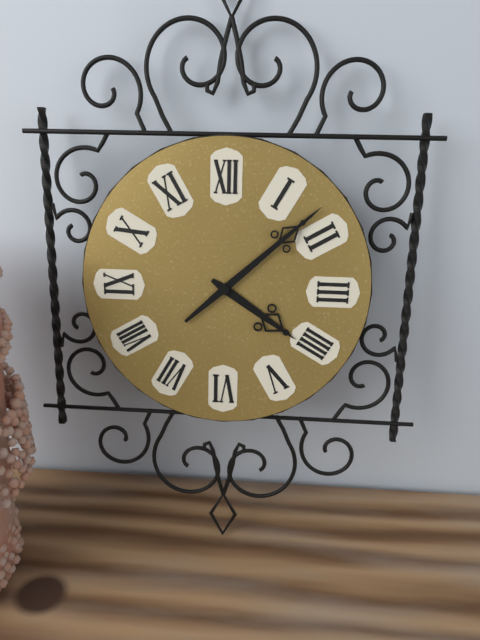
4:08
